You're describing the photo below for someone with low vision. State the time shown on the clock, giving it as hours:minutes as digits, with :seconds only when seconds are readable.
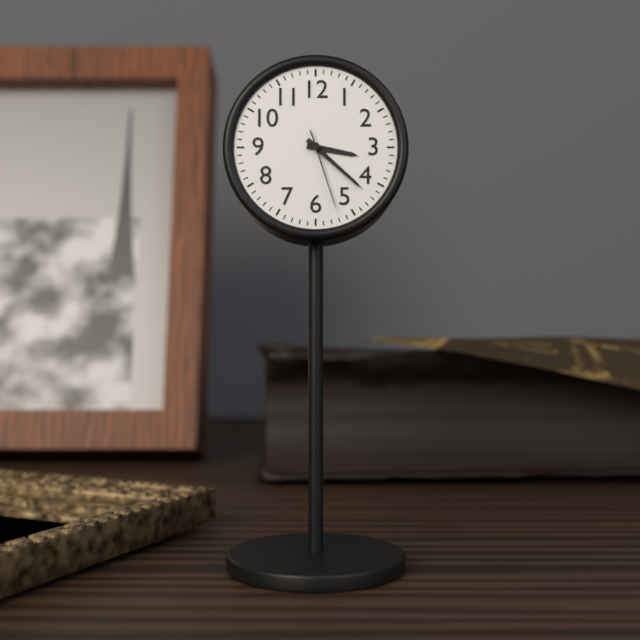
3:22:27
